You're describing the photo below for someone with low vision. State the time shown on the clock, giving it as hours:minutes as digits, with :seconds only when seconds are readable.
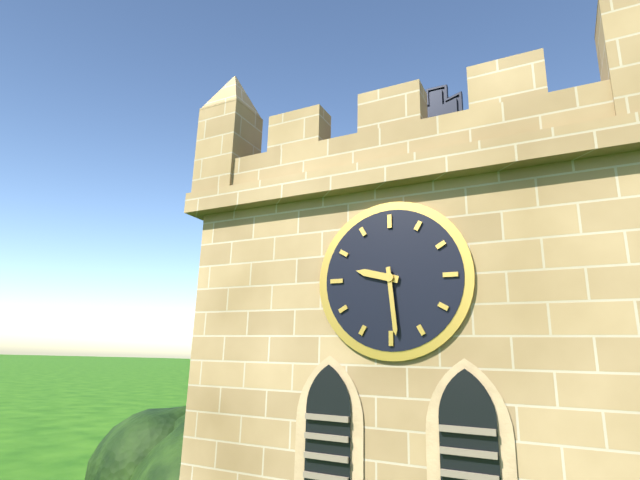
9:29
